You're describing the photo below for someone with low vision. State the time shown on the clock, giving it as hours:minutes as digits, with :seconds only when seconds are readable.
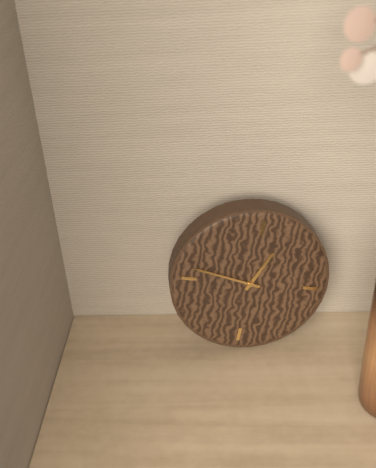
12:47
